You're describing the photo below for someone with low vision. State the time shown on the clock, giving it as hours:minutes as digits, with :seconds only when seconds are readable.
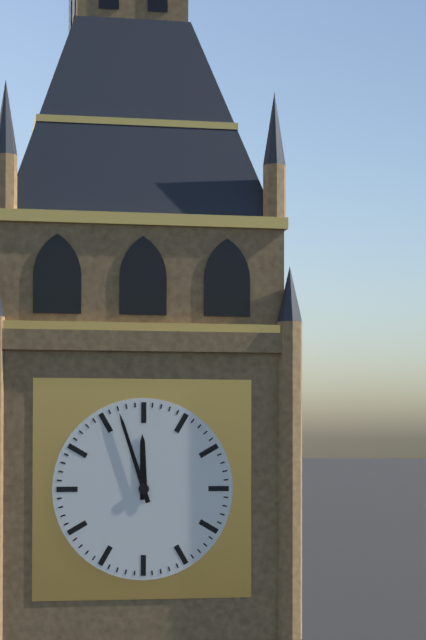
11:57
